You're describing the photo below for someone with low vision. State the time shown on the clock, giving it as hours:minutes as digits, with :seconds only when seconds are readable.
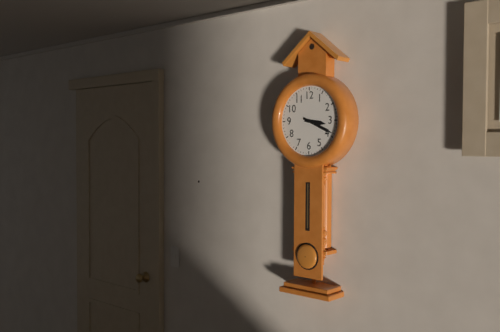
3:19
